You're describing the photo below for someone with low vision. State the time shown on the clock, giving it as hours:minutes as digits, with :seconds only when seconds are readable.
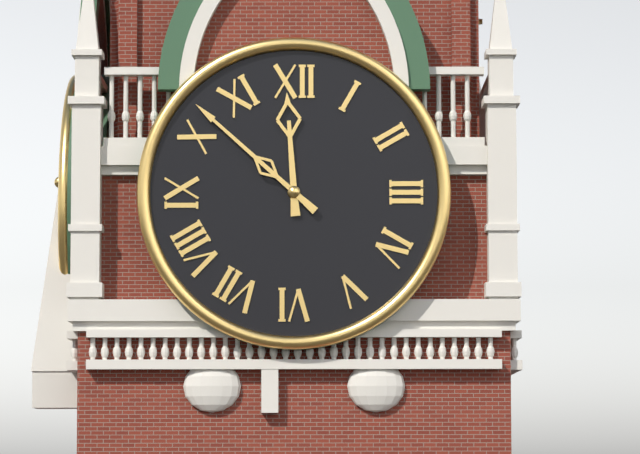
11:52
